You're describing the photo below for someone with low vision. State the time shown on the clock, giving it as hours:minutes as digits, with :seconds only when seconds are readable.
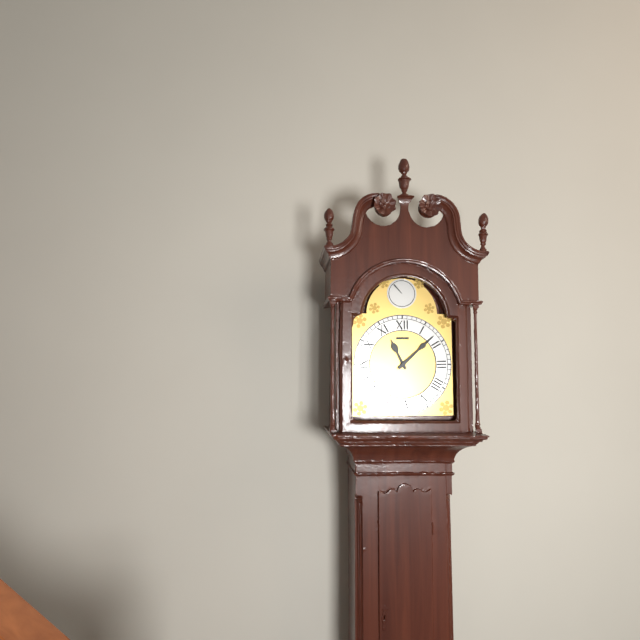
11:08
